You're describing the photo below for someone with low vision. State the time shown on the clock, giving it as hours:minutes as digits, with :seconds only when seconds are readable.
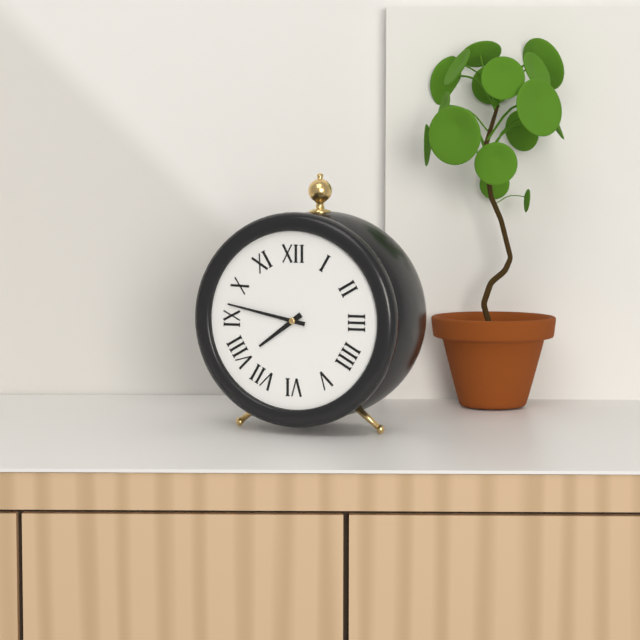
7:47
